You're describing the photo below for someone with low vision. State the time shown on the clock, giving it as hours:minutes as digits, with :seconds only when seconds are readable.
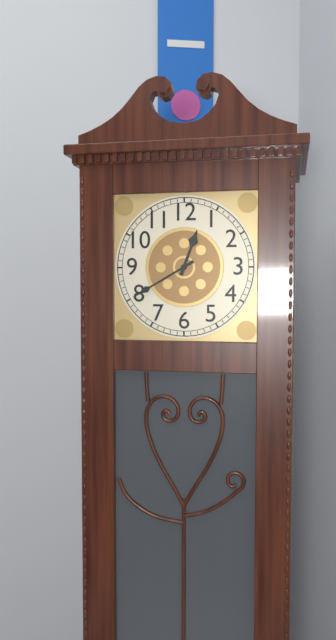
12:40
